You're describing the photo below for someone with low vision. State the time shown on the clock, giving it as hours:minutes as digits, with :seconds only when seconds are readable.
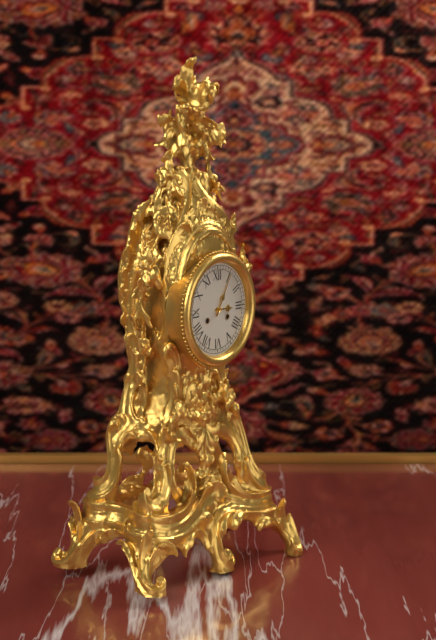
3:05
